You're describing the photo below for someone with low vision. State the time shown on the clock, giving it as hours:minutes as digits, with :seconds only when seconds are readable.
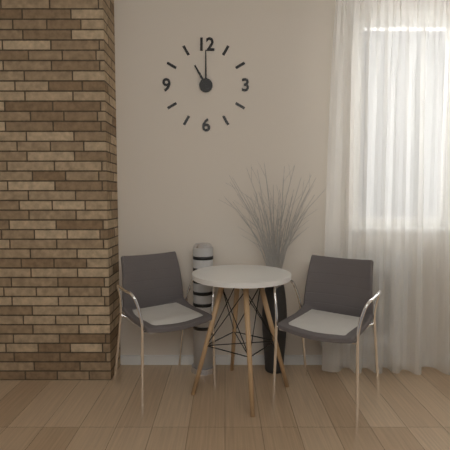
11:00
